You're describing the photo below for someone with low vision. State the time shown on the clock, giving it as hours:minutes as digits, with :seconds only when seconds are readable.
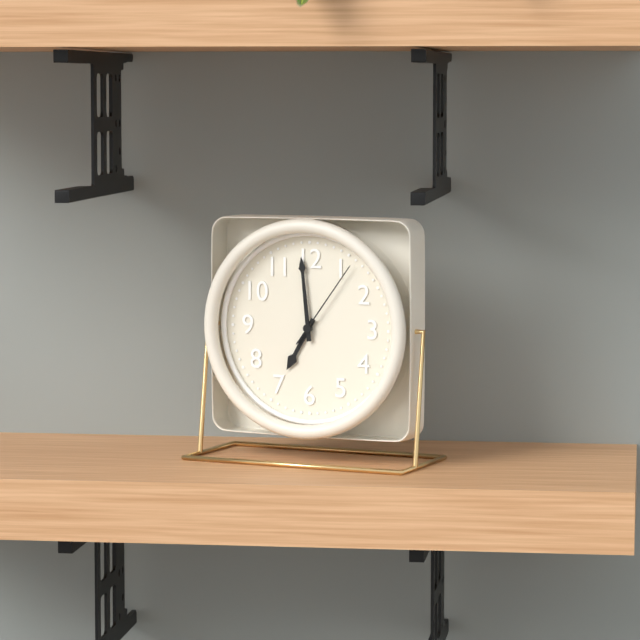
6:59:06
